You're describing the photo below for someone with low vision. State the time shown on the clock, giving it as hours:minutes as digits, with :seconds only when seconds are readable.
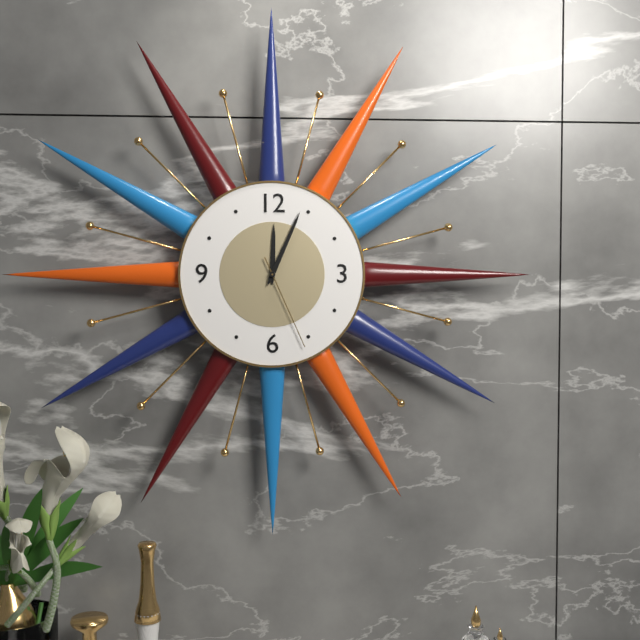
12:04:26
